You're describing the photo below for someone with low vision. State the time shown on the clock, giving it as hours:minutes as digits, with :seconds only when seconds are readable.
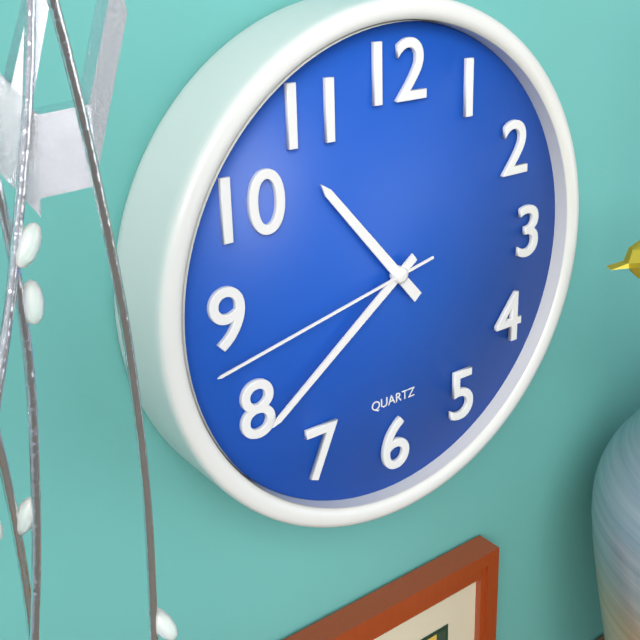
10:39:43
